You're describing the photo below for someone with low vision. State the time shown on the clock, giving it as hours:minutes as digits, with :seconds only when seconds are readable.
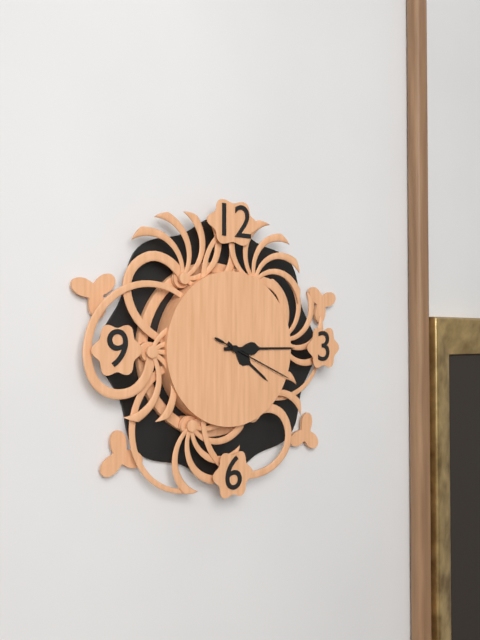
4:15:19
